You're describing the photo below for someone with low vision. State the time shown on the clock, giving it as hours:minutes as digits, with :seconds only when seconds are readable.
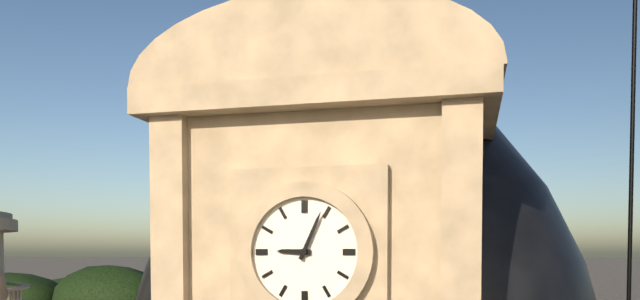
9:04
